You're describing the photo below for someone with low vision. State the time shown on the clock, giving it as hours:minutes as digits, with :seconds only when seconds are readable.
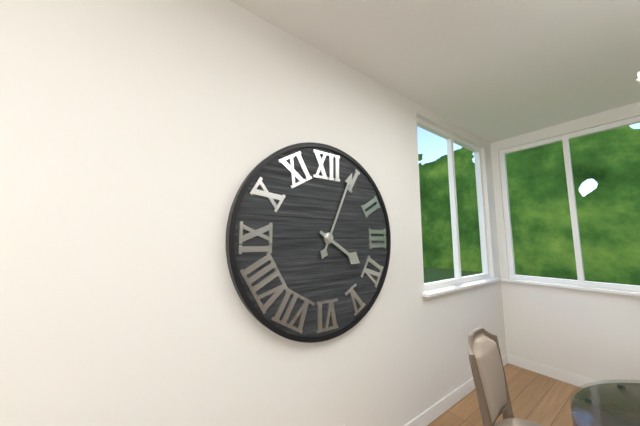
4:04
